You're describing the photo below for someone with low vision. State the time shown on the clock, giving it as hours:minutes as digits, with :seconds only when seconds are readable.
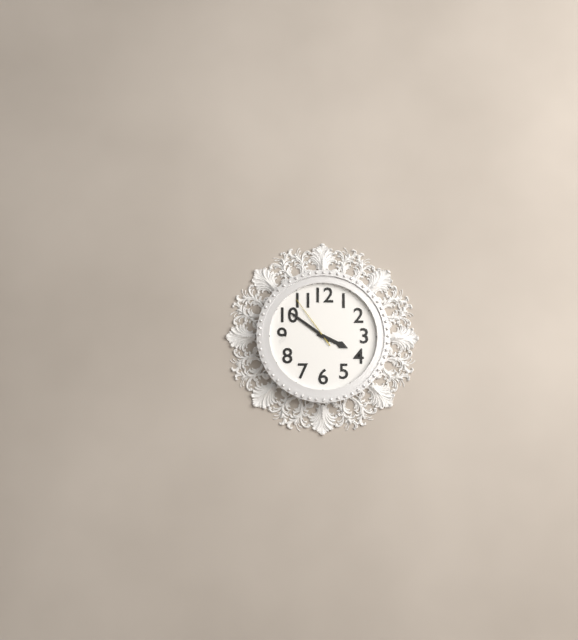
3:51:54
